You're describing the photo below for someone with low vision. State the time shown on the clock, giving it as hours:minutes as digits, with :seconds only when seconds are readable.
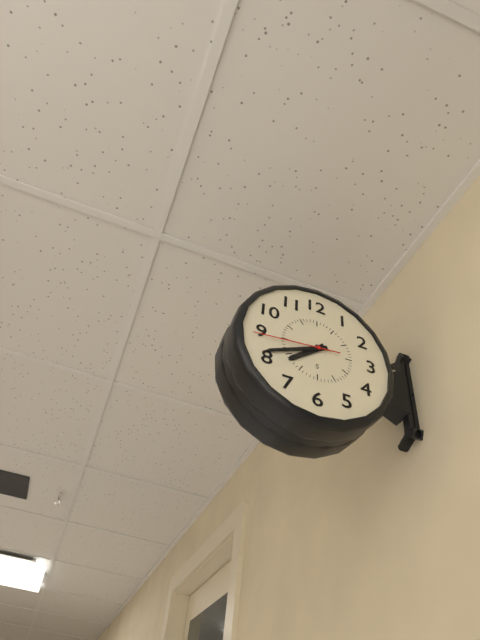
7:41:44
